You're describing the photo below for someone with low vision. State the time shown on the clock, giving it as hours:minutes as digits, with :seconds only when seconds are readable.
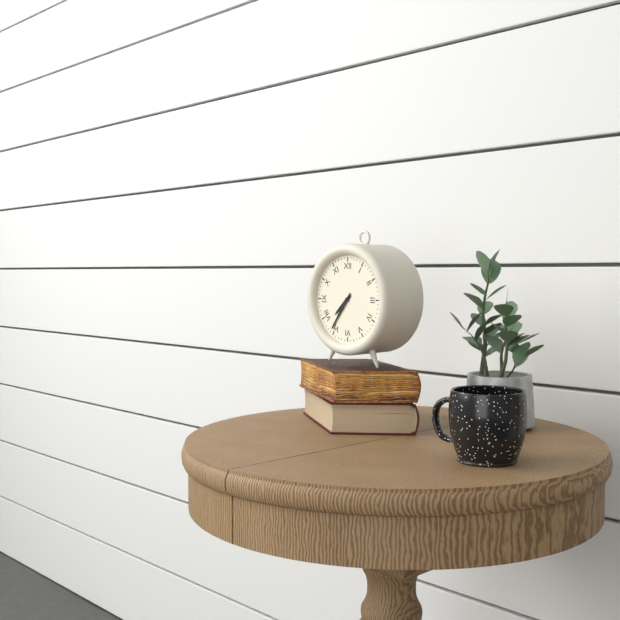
7:36
